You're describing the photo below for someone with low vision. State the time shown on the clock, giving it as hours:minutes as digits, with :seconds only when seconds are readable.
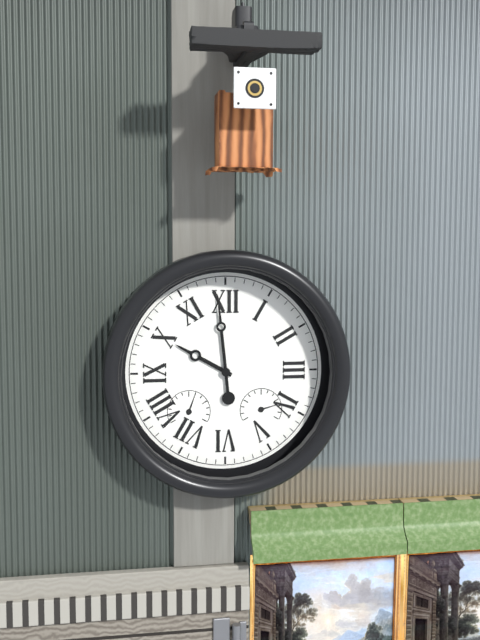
9:59
